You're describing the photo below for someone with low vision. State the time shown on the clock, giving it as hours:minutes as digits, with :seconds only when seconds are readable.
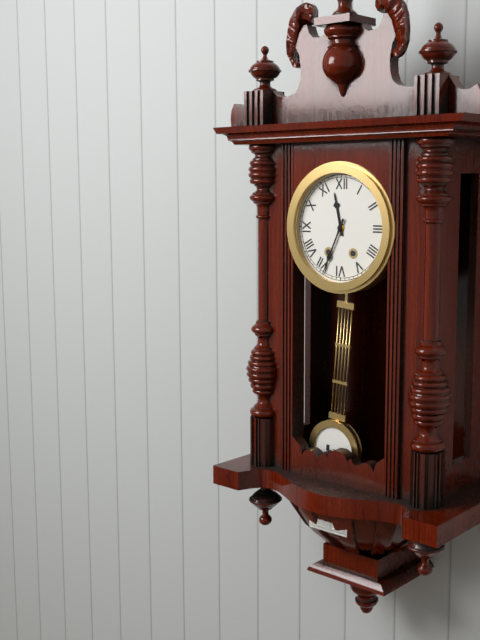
11:34
